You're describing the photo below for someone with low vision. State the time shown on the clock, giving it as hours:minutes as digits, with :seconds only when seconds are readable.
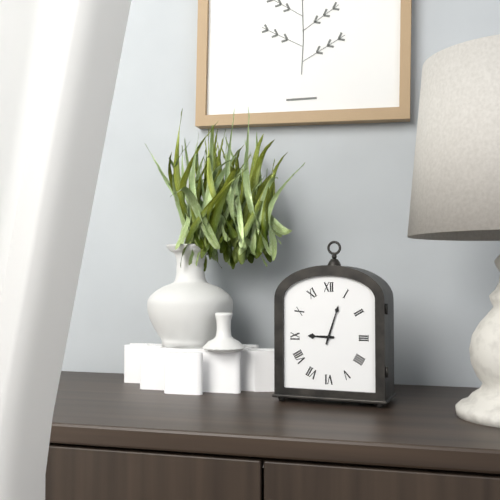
9:03
